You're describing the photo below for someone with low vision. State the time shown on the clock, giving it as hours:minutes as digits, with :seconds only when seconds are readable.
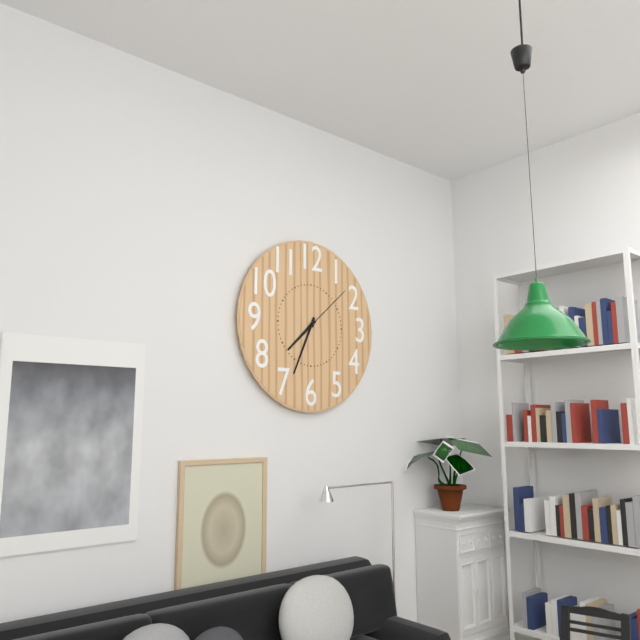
7:34:08
